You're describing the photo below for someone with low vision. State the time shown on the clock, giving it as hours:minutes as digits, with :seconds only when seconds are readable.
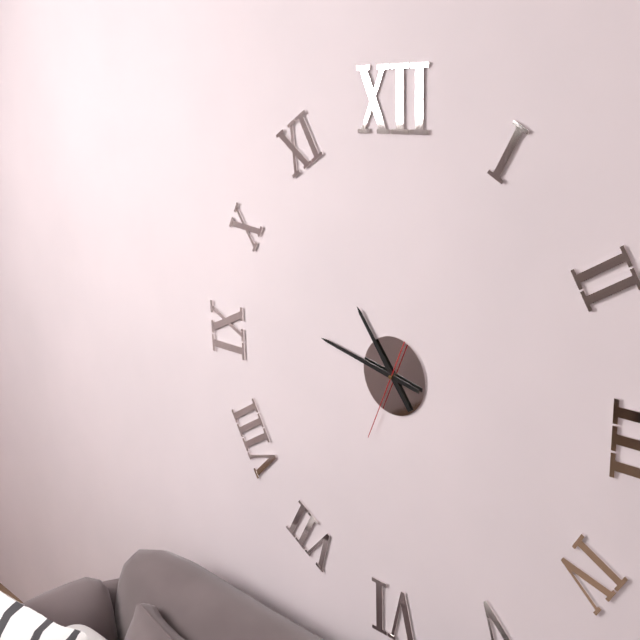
10:47:34
